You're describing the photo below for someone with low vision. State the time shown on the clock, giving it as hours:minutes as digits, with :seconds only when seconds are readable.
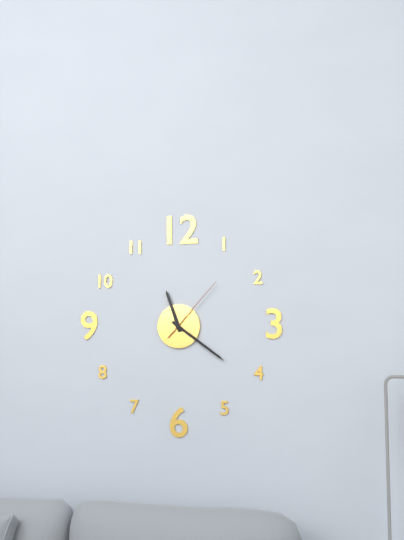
11:21:07
